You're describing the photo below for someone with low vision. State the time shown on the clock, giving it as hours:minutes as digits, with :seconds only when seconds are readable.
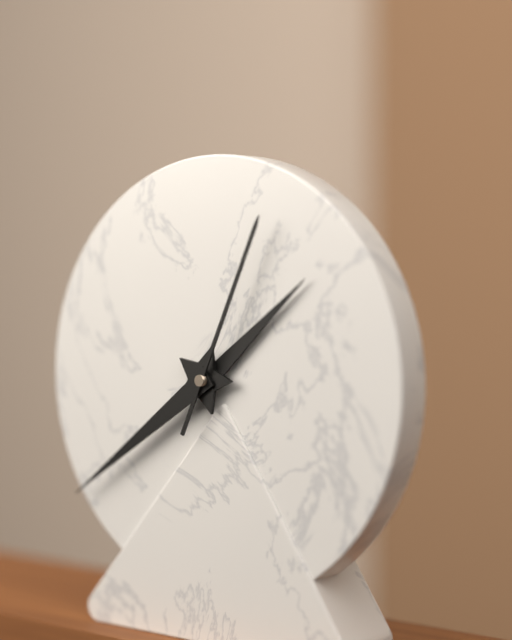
1:39:04
